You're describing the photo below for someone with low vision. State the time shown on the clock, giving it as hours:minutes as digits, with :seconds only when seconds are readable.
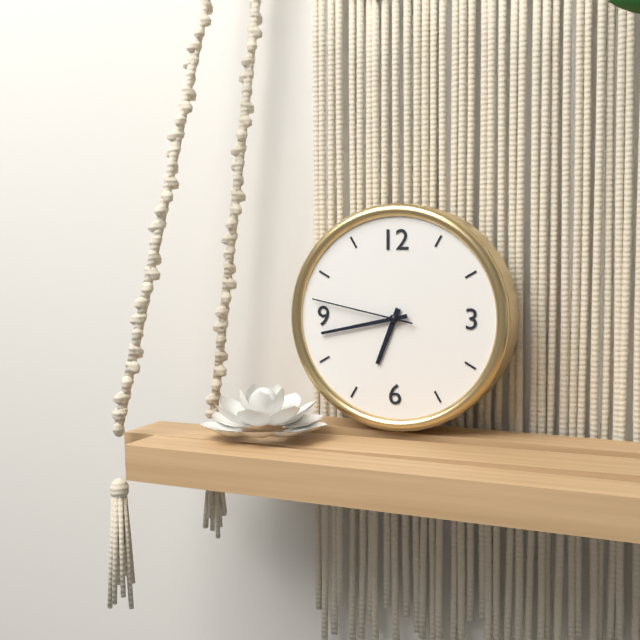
6:43:47
